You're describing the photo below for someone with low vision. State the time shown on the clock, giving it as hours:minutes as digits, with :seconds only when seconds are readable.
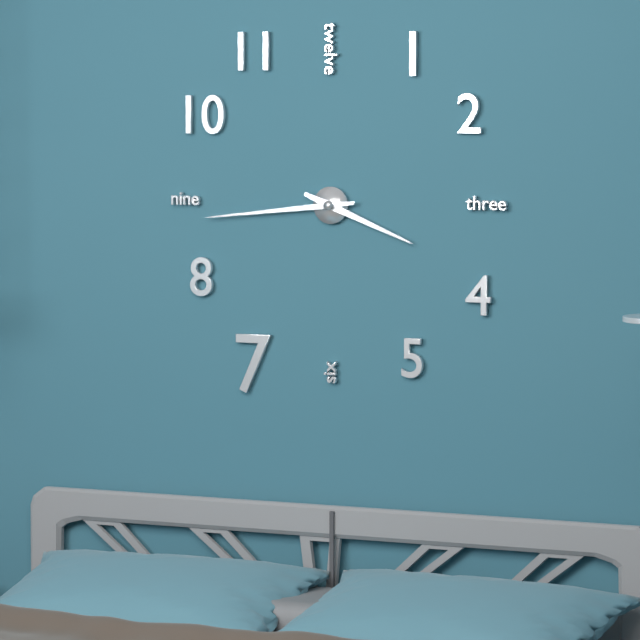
3:44
